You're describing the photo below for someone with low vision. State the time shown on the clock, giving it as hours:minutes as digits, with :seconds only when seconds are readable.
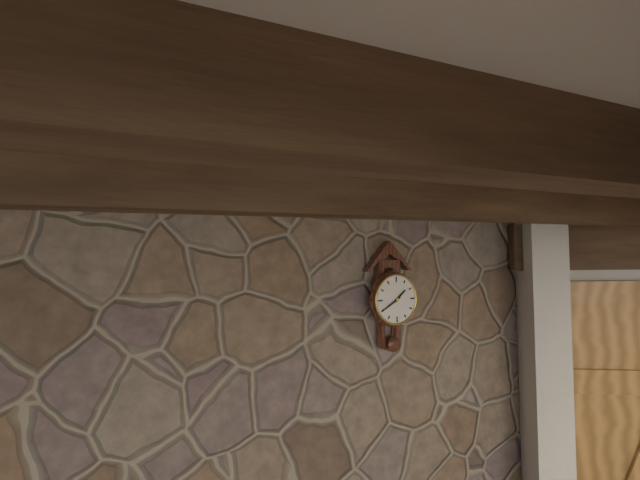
1:40
